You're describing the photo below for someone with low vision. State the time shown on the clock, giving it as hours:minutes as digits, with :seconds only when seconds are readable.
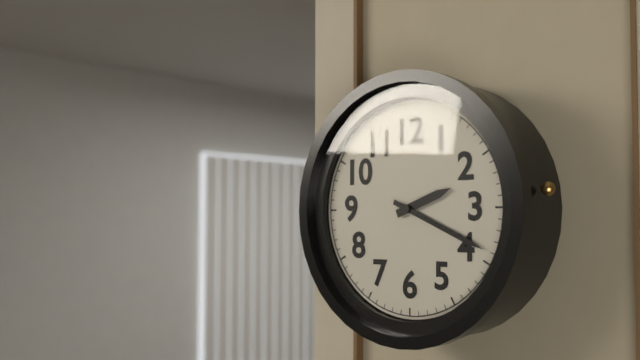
2:19
